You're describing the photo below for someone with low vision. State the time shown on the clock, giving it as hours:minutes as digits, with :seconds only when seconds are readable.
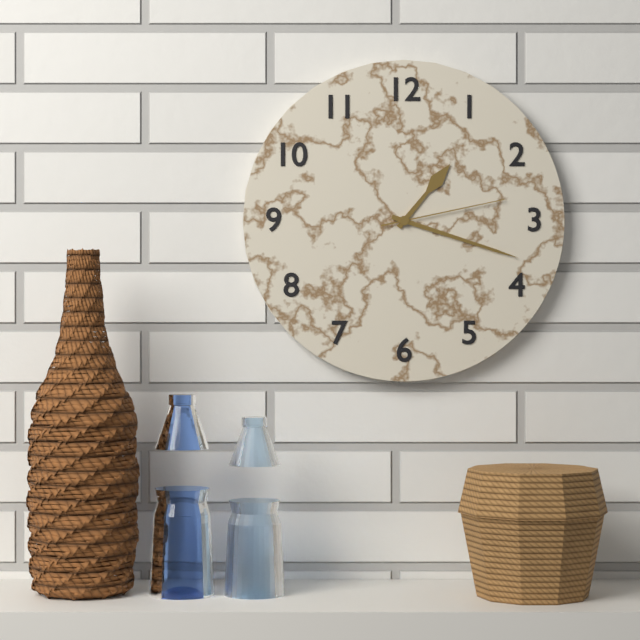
1:18:13
